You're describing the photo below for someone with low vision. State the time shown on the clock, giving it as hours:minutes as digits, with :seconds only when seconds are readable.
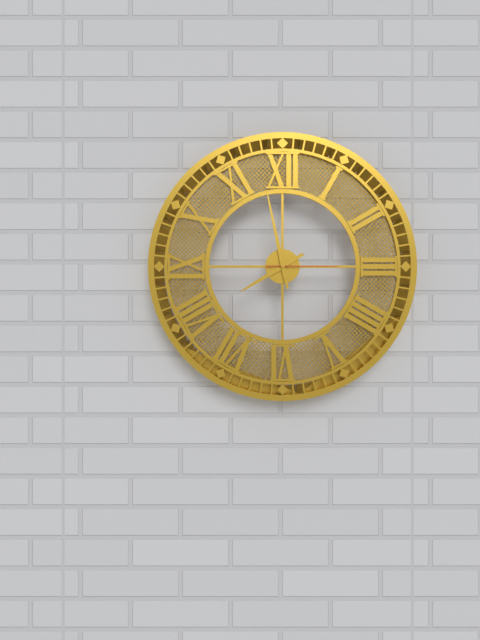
7:58:15
